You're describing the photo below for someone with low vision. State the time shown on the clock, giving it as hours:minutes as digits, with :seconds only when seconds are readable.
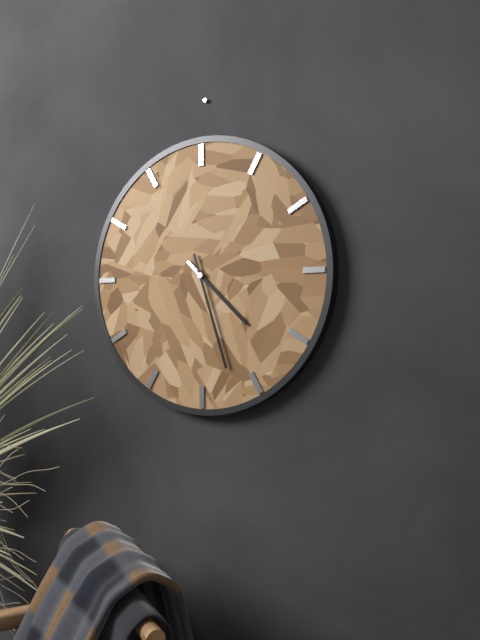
4:27
